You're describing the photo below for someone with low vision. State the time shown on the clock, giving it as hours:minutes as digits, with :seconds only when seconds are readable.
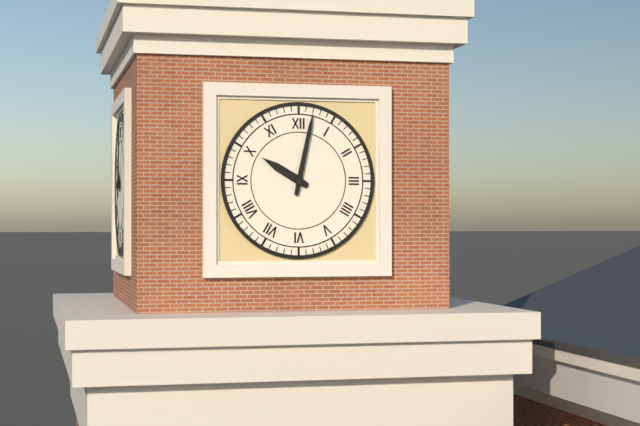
10:02
